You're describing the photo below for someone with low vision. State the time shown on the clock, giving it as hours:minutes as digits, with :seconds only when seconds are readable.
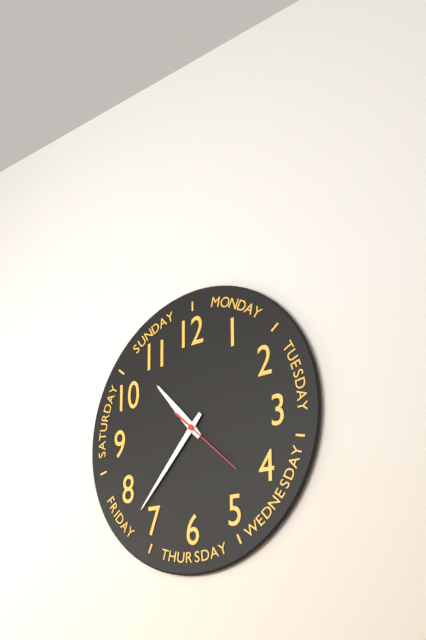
10:37:22
